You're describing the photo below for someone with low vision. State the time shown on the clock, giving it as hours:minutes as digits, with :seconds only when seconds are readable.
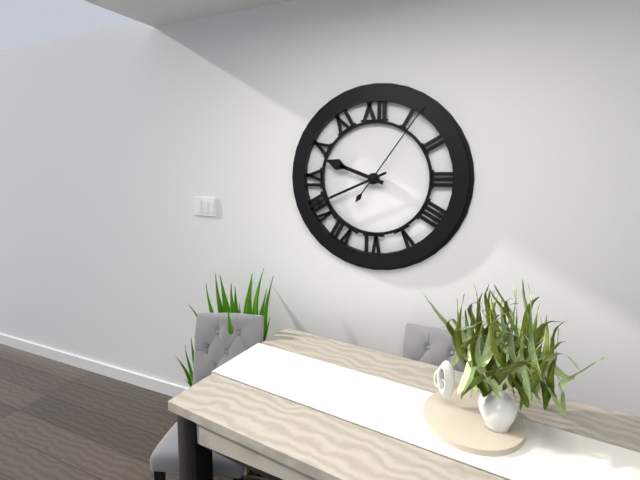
9:41:06
